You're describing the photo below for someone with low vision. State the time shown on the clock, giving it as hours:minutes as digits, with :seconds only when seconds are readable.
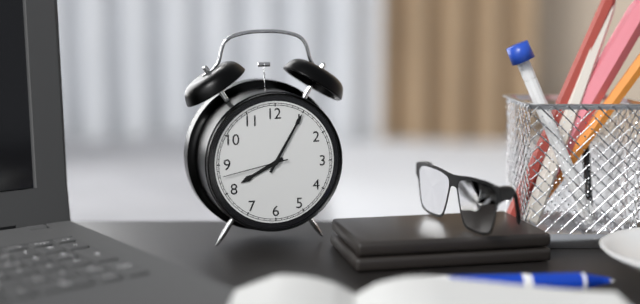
8:05:43
